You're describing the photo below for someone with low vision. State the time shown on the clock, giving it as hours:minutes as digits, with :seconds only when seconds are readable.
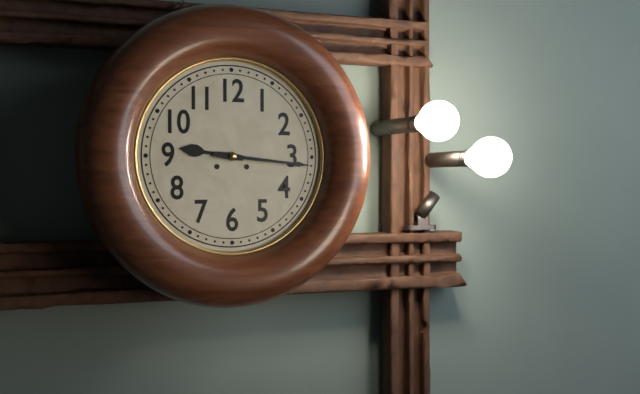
9:16
